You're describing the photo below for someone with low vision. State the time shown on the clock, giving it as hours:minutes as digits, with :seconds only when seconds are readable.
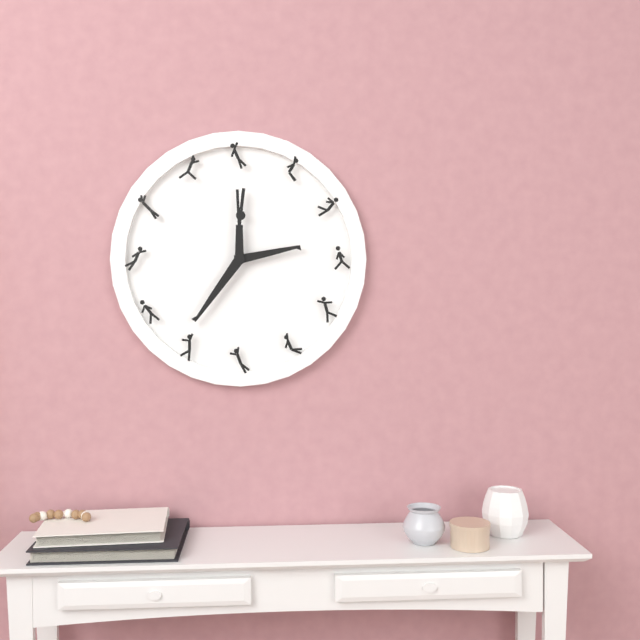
2:36
